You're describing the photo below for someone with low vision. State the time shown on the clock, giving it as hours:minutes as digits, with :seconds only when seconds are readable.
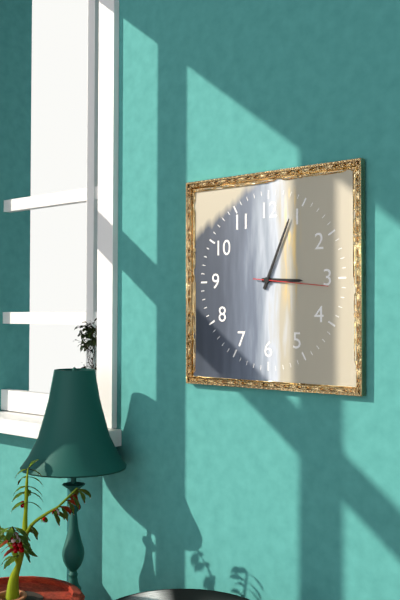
3:04:16
